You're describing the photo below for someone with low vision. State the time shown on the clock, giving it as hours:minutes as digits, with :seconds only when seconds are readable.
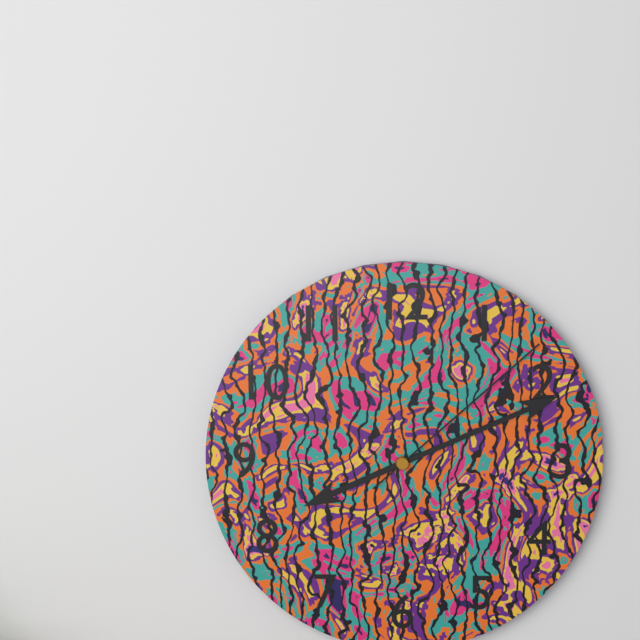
8:11:08
